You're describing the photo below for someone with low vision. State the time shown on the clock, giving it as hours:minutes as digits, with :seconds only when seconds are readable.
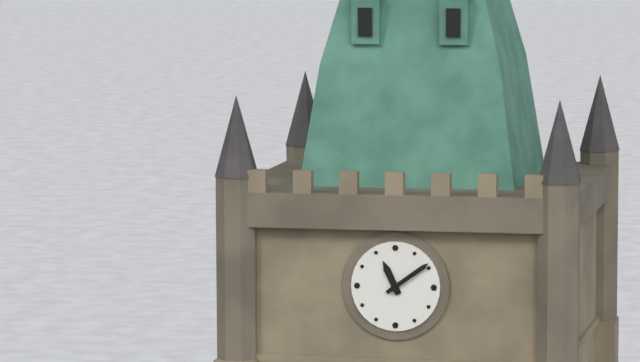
11:09
